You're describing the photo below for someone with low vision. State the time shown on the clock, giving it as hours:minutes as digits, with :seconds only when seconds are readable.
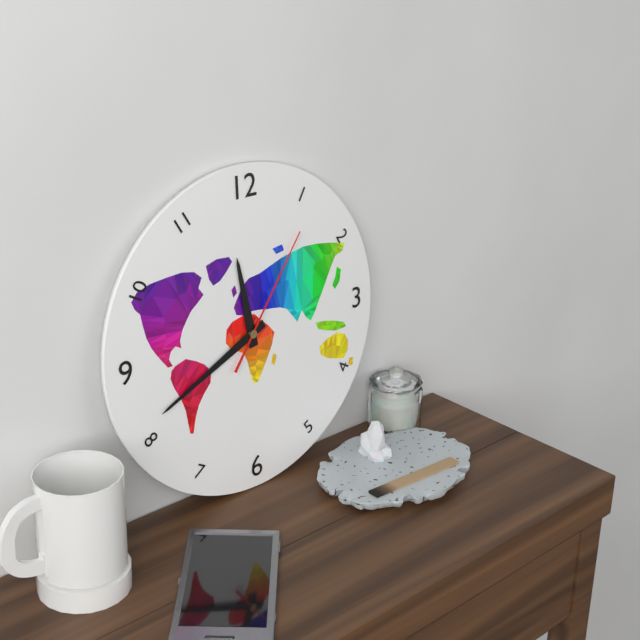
11:41:06
